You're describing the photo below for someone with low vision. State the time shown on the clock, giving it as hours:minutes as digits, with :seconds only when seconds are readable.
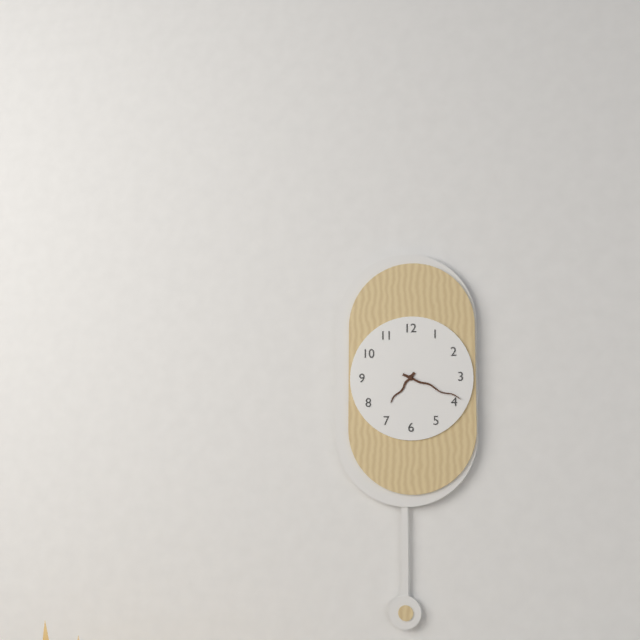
7:19
